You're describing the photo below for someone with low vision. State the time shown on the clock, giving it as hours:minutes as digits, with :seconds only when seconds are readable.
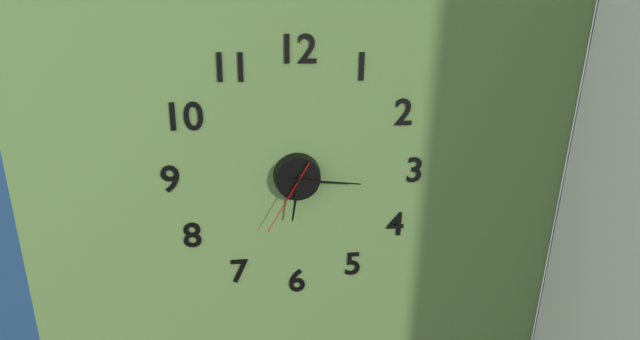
6:16:35
